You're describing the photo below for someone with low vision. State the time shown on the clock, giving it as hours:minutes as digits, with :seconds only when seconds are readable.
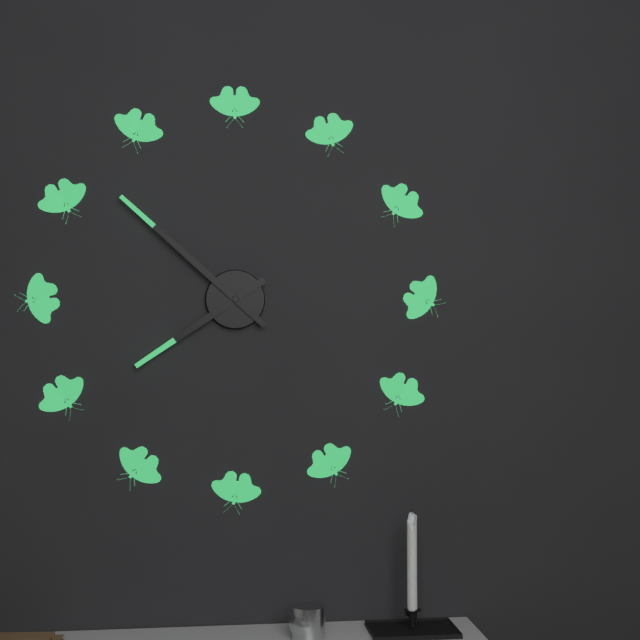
7:52
